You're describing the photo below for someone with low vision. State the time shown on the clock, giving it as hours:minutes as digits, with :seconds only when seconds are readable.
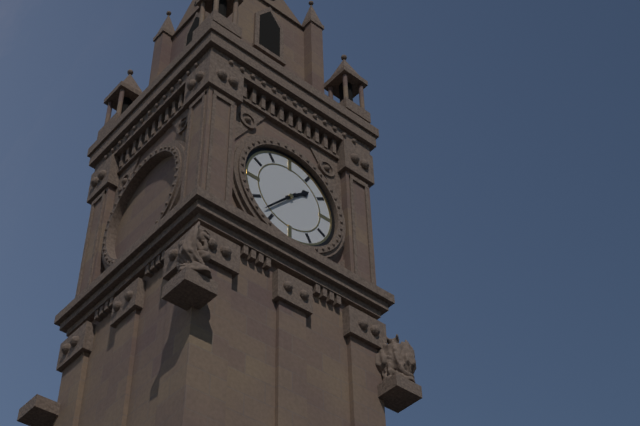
1:37
